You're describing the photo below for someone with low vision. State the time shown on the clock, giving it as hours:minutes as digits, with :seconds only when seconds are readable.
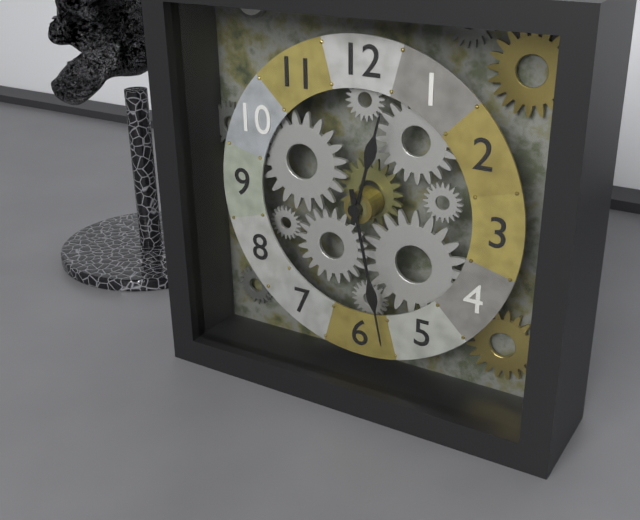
12:28
